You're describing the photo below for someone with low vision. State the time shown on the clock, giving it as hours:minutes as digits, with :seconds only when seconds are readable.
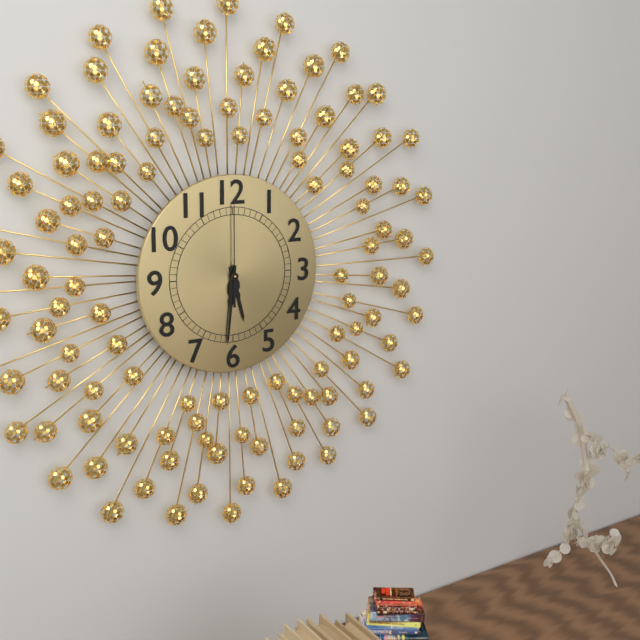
5:31:00
